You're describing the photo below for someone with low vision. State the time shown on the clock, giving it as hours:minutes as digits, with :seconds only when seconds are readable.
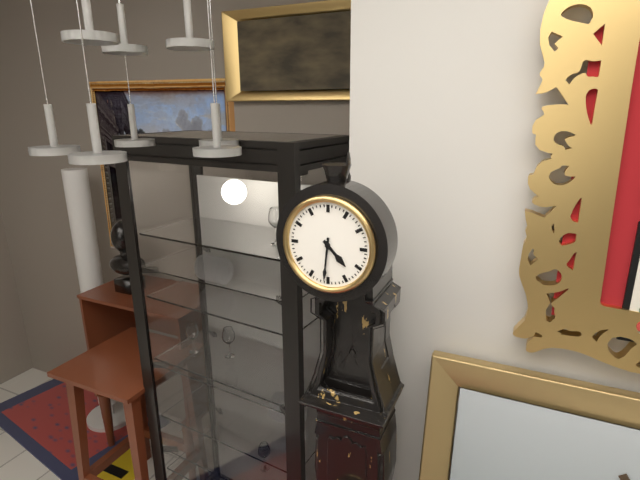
4:31
